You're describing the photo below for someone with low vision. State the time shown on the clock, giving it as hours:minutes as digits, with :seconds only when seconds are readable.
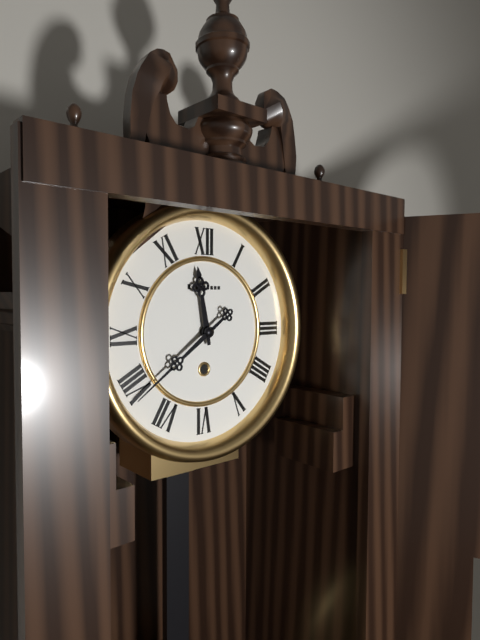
11:39
